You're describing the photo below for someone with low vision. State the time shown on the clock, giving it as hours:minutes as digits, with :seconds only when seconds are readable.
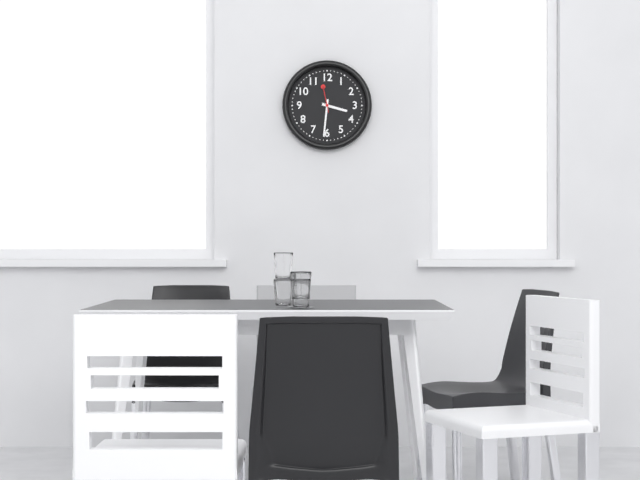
3:31
